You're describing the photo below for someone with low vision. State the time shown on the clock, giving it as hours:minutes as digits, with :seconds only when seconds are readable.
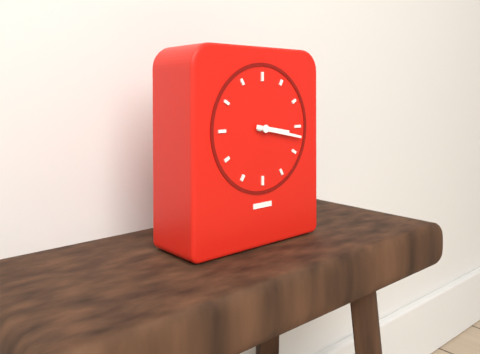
3:17
